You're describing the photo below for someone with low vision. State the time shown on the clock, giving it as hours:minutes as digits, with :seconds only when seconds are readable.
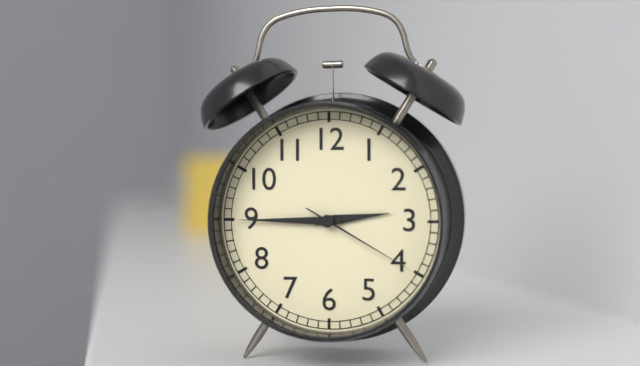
2:45:20
